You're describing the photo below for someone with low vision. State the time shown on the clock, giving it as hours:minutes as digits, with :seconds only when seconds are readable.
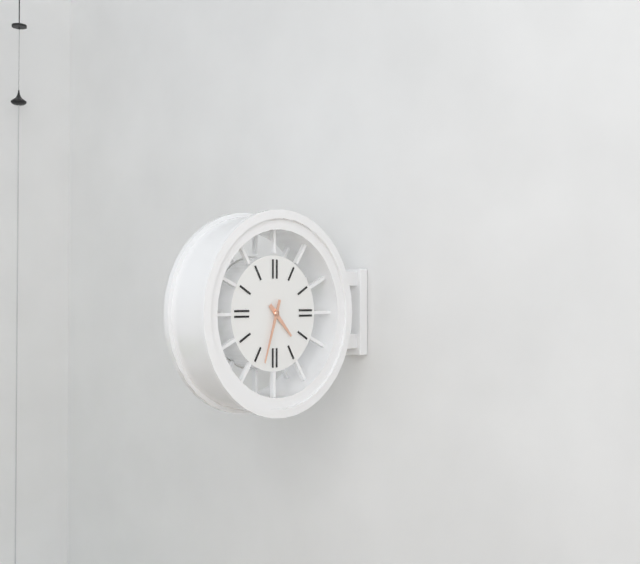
4:33
